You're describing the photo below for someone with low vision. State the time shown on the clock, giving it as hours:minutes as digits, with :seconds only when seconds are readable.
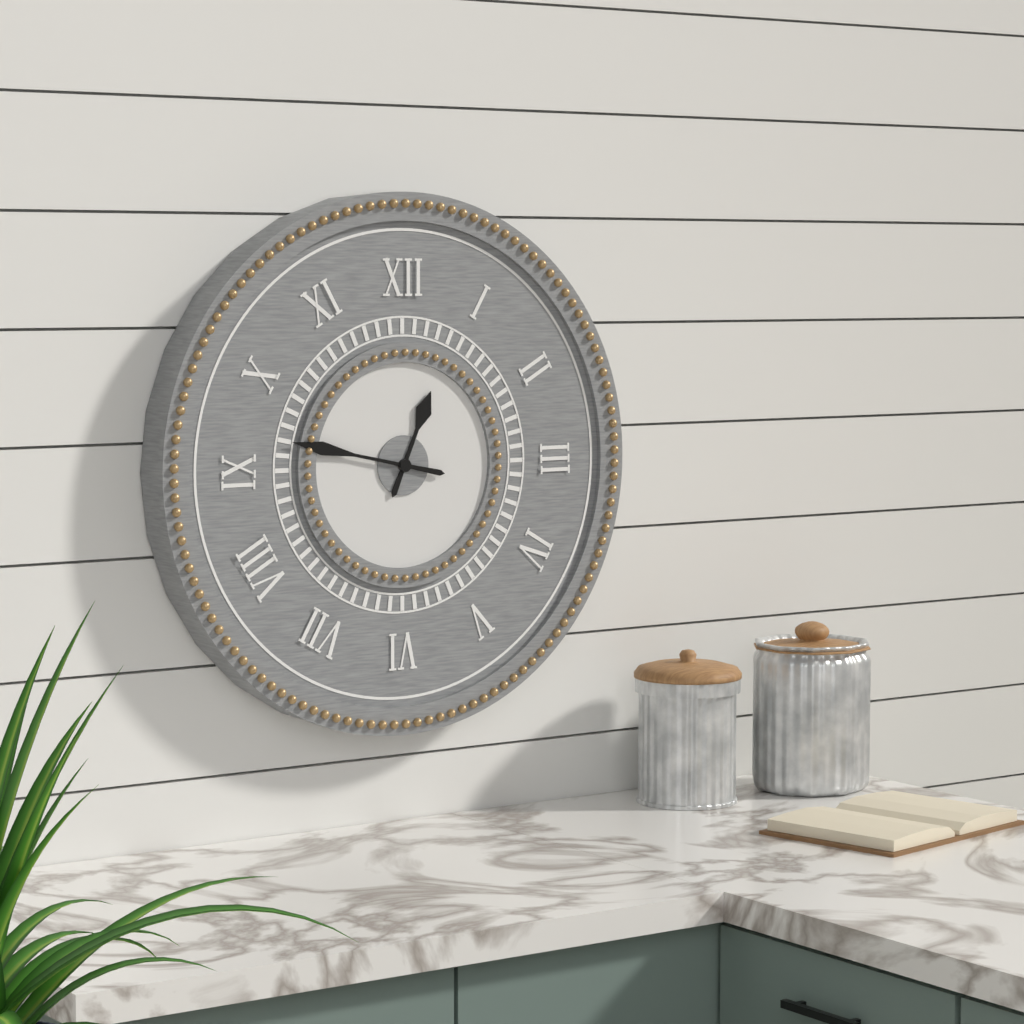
12:47
